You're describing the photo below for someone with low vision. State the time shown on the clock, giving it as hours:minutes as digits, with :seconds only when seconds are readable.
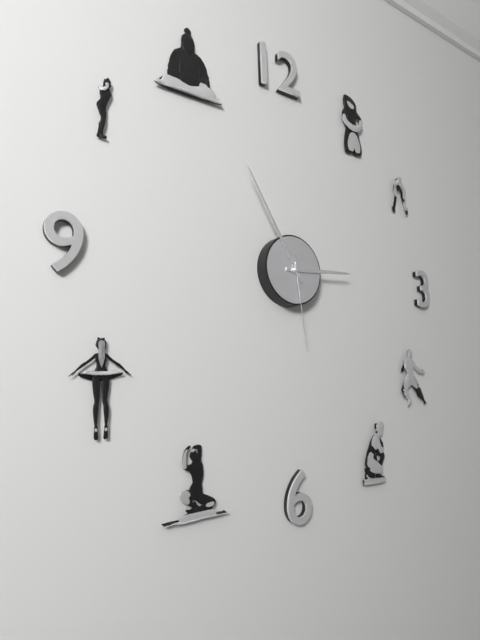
2:55:29
